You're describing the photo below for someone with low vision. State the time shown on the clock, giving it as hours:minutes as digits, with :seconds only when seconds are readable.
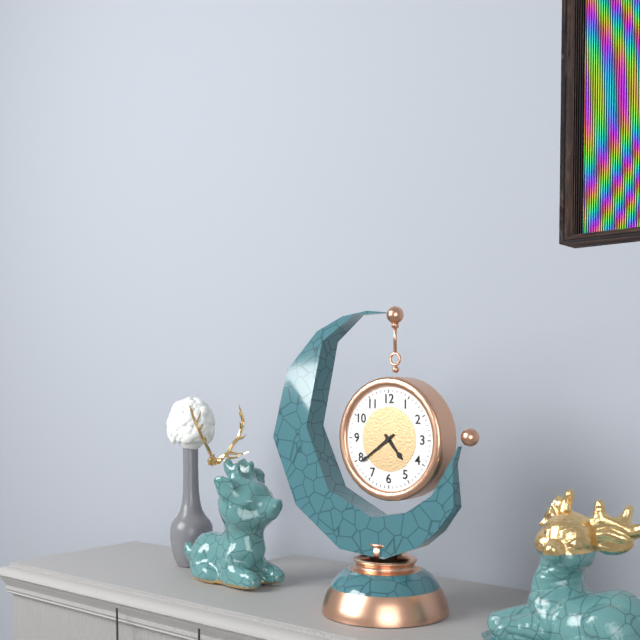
4:39
